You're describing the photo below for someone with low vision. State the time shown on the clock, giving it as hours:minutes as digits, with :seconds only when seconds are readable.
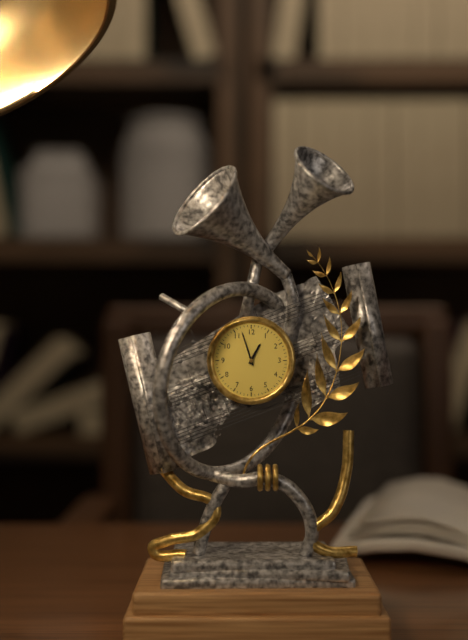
12:57
